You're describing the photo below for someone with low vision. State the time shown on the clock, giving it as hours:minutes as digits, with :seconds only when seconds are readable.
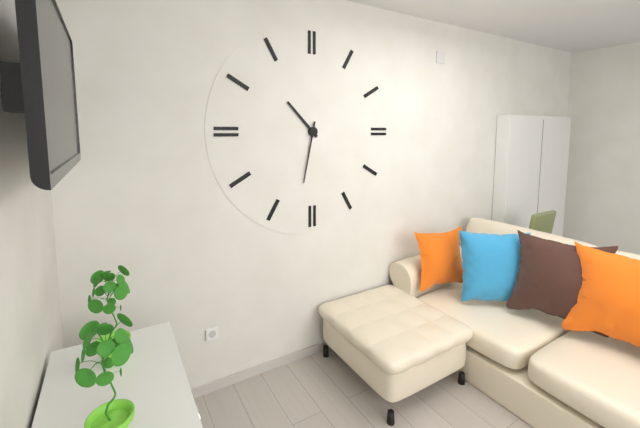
10:32
